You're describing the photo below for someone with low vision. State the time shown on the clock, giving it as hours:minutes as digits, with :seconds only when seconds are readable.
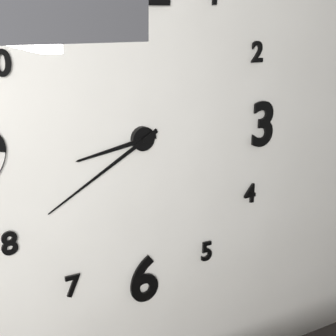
8:40
